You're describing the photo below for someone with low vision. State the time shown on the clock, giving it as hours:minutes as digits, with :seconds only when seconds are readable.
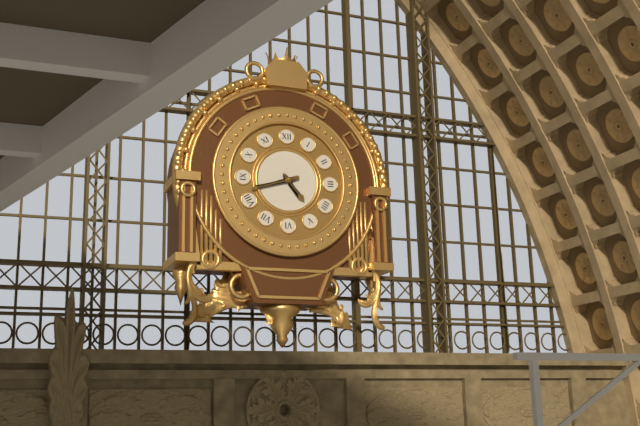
4:42
